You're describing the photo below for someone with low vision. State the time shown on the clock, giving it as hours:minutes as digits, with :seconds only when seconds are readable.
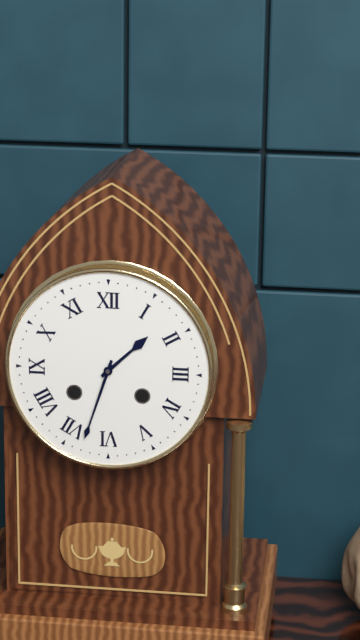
1:33
